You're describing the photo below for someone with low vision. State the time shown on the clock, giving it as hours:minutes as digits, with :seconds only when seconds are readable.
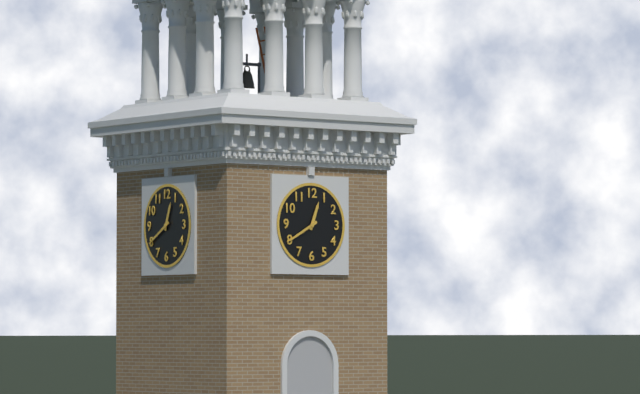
12:40
